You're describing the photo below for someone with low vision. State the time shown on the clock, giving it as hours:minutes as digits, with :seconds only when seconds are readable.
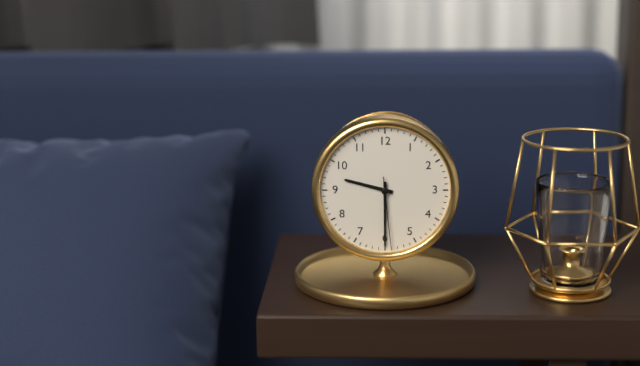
9:30:29
